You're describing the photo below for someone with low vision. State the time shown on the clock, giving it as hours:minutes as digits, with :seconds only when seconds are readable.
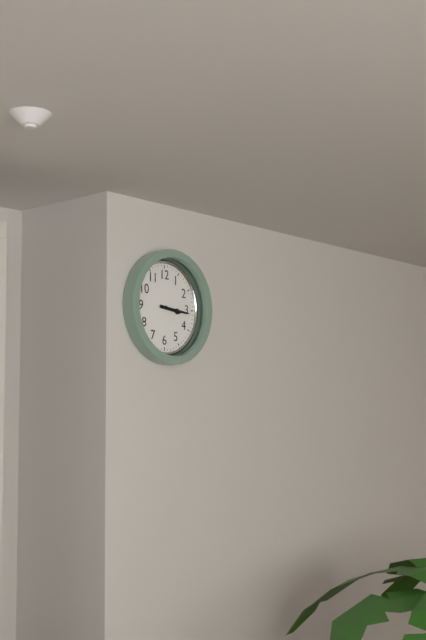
3:16
